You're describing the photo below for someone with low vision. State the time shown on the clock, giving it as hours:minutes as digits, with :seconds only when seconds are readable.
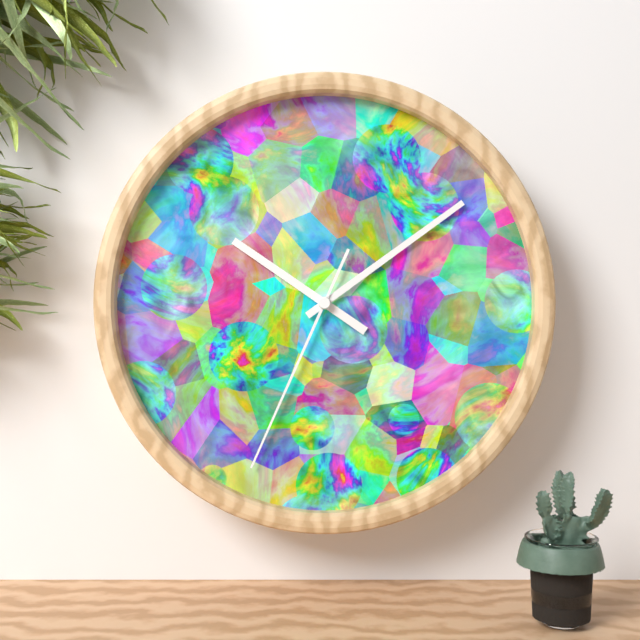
10:09:34
